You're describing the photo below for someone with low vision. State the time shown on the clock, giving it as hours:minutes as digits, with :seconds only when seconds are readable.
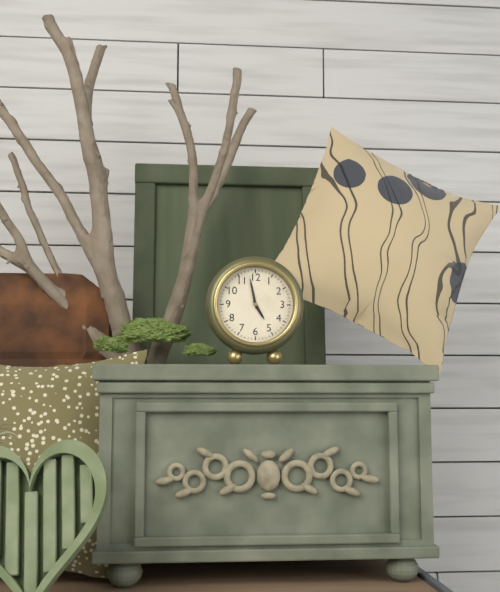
4:58
